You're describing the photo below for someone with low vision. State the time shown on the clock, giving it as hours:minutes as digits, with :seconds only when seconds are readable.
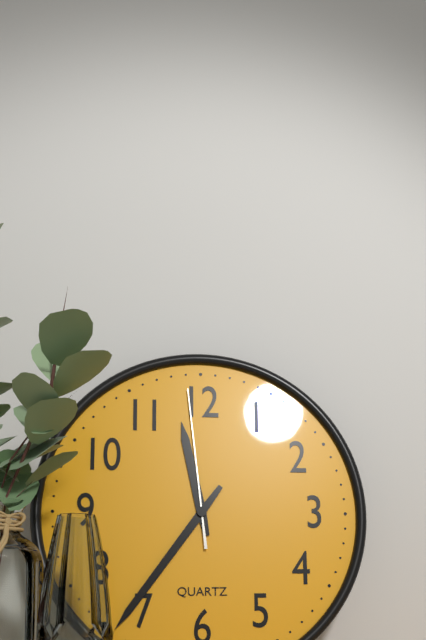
11:36:59
